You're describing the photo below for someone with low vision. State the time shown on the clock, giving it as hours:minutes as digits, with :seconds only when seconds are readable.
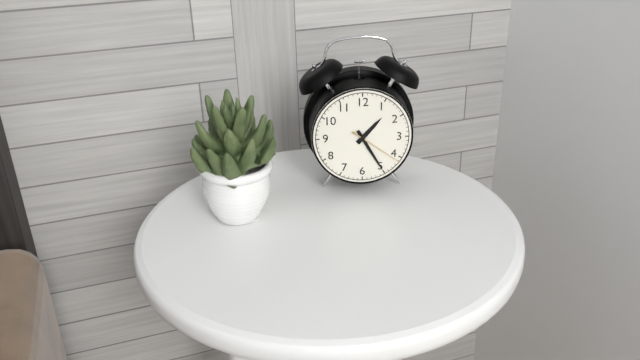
1:25:21
